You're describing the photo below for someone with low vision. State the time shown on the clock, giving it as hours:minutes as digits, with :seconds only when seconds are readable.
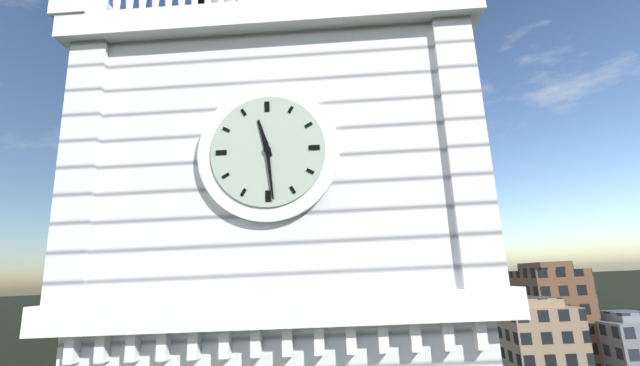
11:29
